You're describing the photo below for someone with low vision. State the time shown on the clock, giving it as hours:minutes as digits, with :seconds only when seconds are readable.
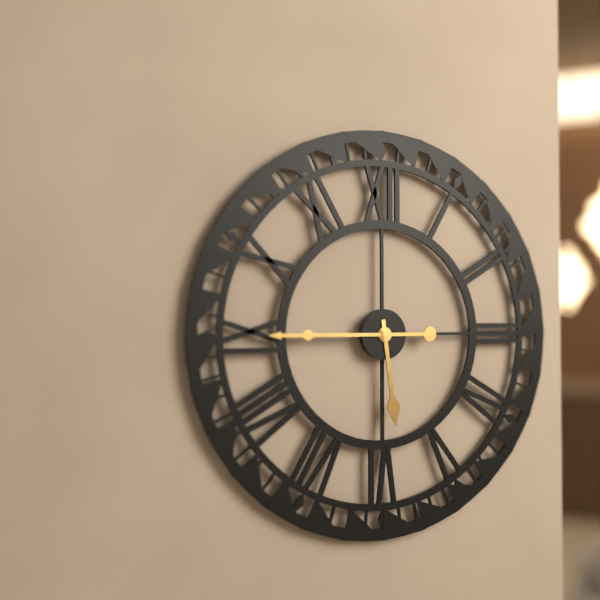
5:45
